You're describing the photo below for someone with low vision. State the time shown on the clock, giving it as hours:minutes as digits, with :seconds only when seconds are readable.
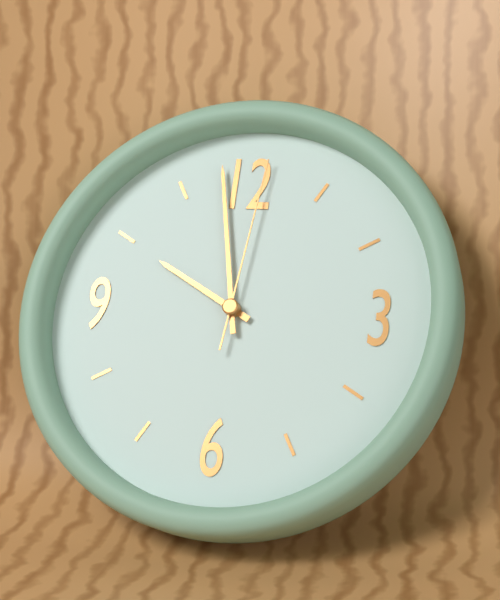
9:58:01
